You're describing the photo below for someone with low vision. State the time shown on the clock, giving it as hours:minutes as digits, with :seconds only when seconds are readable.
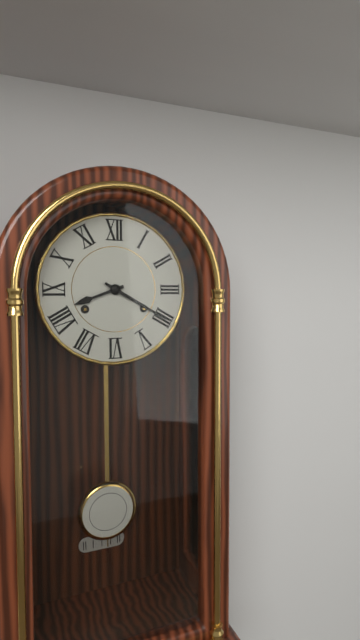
8:20
